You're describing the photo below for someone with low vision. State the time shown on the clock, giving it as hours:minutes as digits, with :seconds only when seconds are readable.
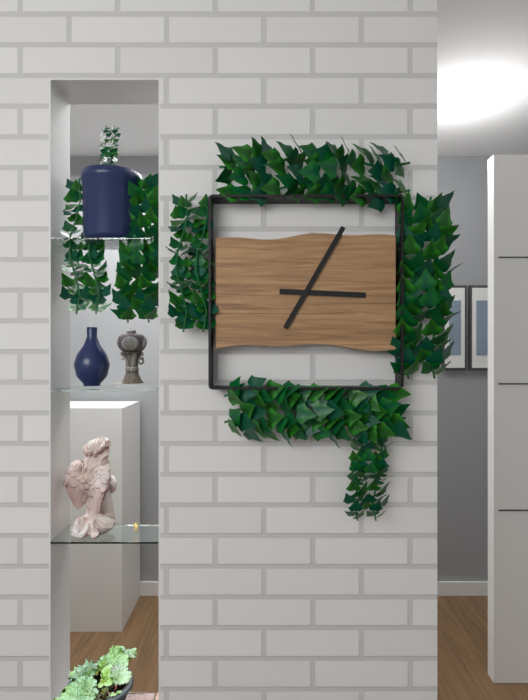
3:05
